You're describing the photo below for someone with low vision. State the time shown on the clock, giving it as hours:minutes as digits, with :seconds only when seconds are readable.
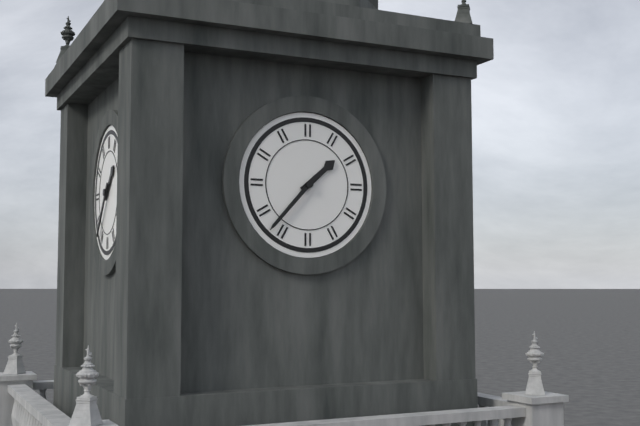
1:37
